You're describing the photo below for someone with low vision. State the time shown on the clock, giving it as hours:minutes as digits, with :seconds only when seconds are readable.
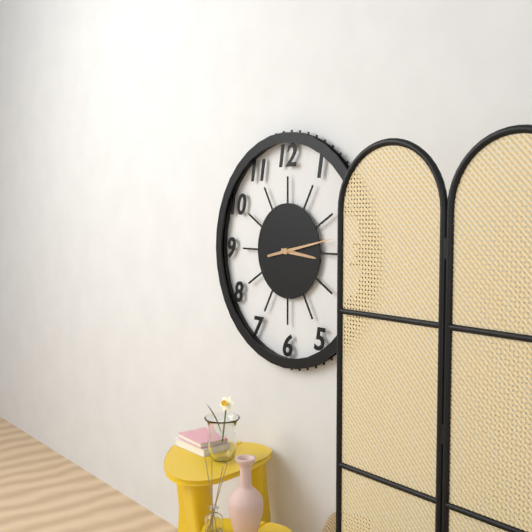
3:13
